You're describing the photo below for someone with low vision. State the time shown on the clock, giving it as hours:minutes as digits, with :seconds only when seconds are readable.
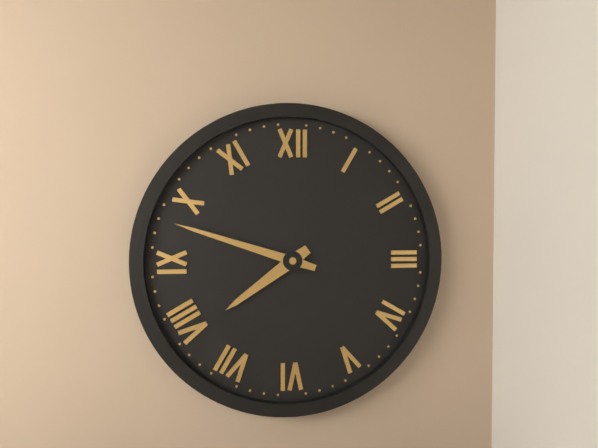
7:48
